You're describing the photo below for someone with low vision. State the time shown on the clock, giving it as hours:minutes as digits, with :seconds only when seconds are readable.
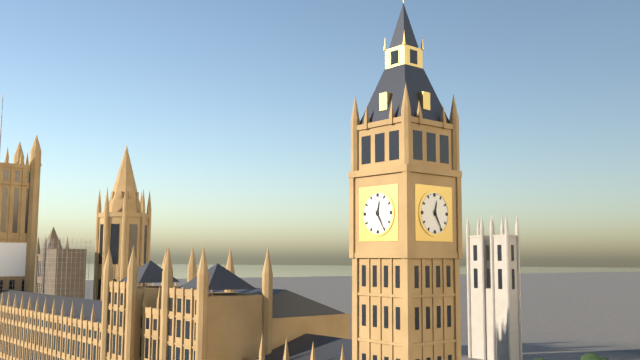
12:25
